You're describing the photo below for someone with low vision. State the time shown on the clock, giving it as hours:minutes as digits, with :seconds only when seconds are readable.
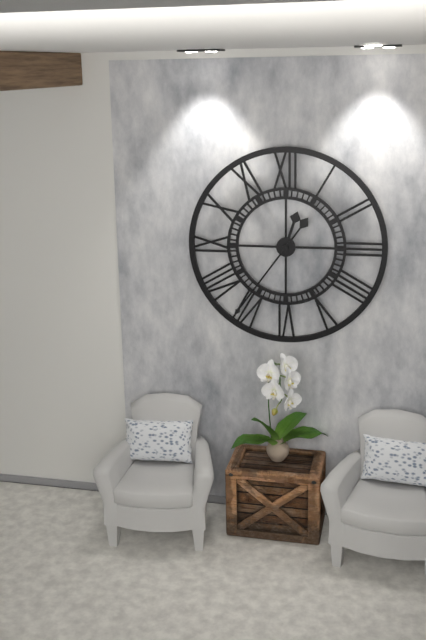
12:36
